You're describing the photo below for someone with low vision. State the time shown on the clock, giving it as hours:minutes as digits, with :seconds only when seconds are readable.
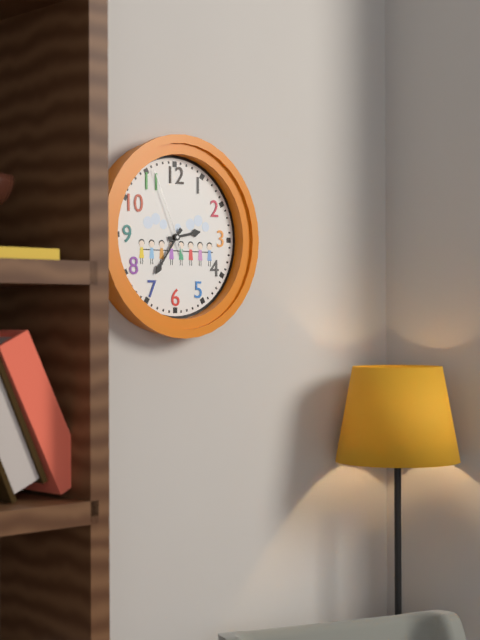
2:36:56
